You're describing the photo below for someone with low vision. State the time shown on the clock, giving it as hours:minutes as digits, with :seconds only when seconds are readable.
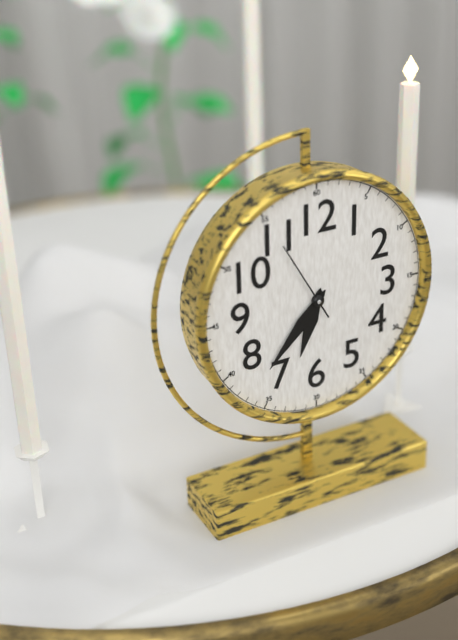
6:37:55
